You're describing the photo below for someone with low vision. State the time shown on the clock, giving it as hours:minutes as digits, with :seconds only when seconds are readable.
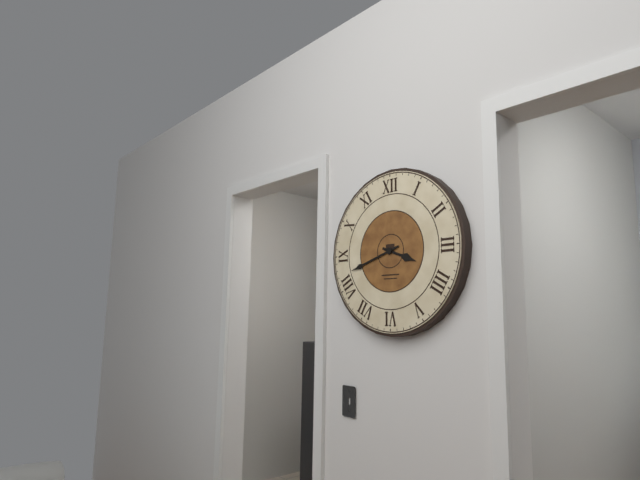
3:42
